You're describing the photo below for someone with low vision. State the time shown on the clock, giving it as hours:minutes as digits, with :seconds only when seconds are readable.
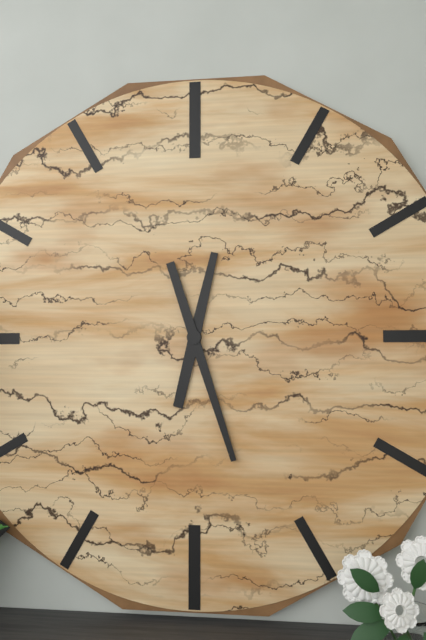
12:27
